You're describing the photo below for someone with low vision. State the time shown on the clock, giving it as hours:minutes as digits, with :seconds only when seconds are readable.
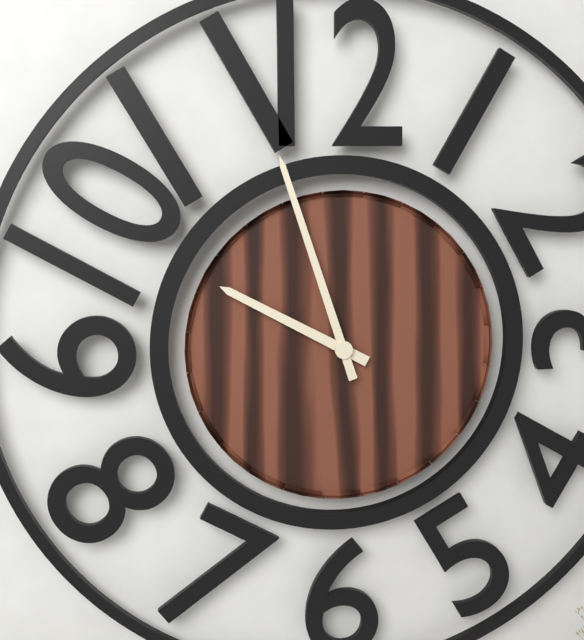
9:57
